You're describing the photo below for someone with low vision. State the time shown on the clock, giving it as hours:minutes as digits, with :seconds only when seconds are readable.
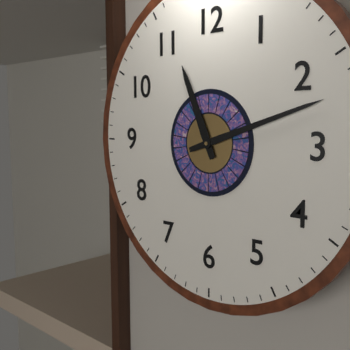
11:12
